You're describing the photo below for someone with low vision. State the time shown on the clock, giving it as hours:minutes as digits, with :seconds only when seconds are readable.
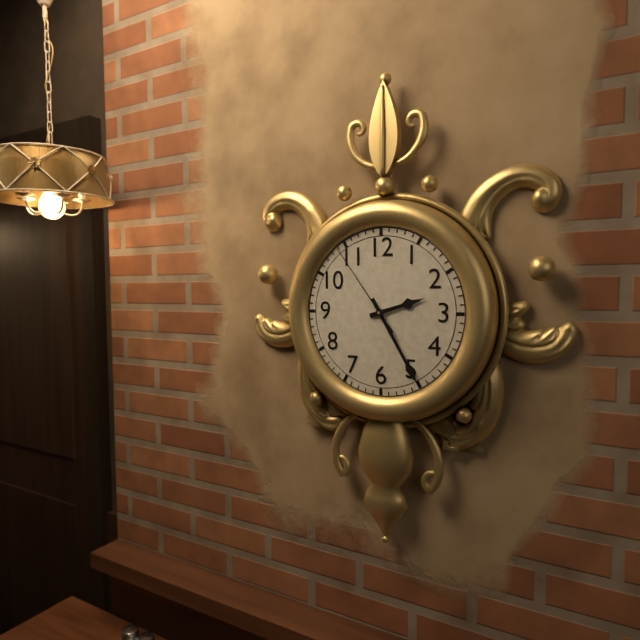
2:25:54
